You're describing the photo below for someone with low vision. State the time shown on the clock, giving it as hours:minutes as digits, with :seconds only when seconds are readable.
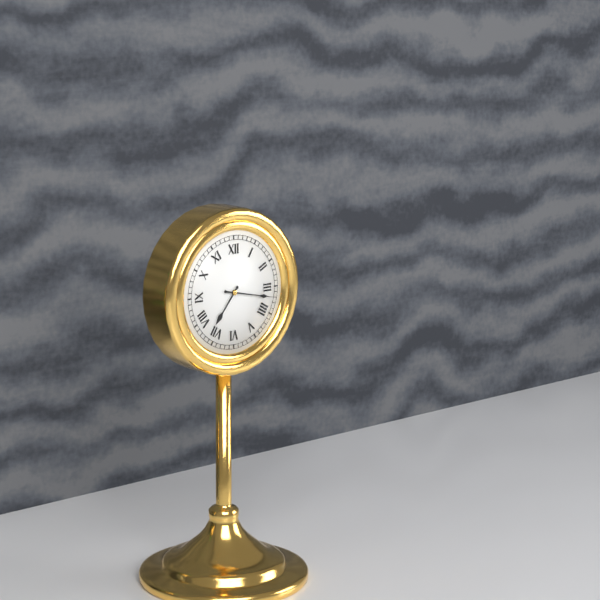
7:17
